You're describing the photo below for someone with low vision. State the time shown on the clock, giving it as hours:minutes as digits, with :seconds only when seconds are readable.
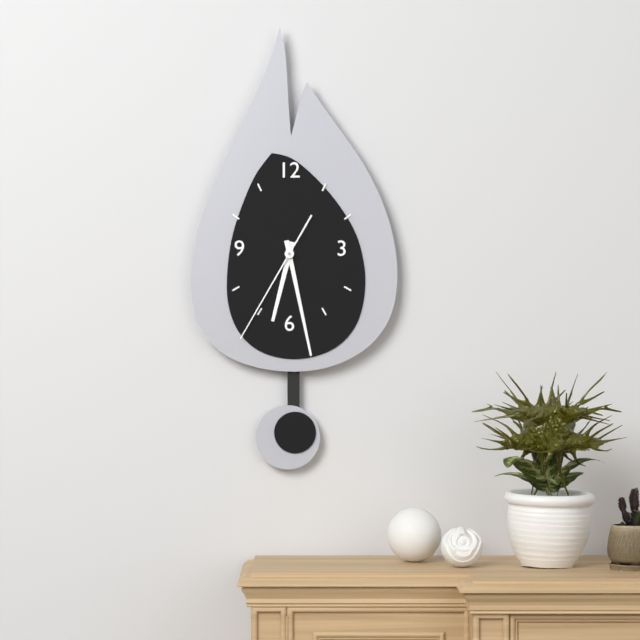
6:28:35
